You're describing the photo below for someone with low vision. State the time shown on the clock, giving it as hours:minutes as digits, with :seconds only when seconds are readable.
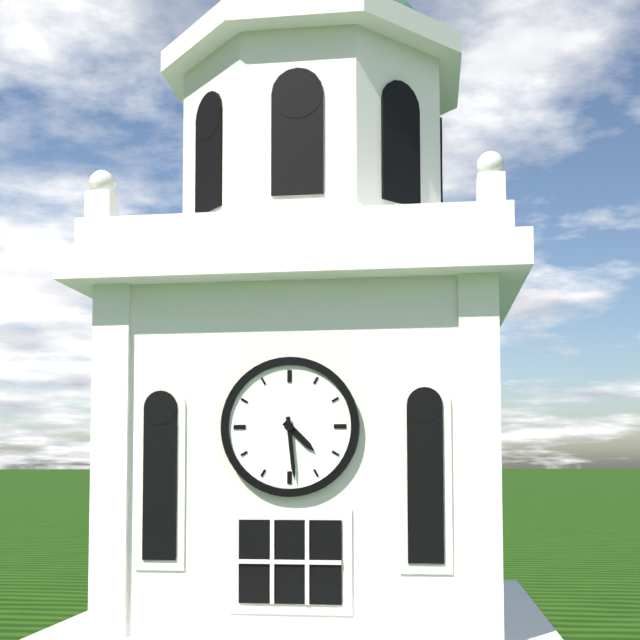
4:29
